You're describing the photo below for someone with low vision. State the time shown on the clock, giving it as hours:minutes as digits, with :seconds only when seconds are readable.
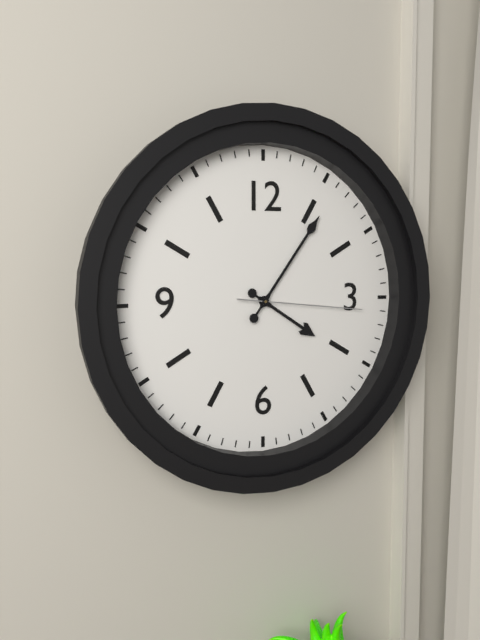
4:06:16
